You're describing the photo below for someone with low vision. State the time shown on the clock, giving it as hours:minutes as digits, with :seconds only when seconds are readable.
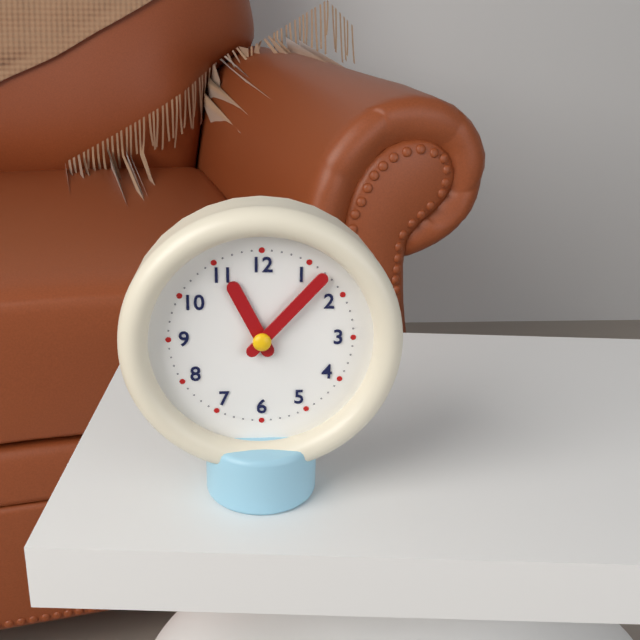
11:07
